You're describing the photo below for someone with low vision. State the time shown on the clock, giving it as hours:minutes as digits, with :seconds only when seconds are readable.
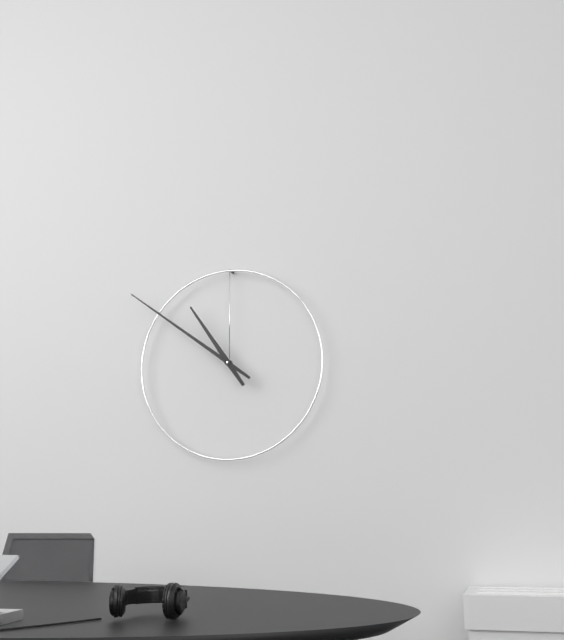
10:51
